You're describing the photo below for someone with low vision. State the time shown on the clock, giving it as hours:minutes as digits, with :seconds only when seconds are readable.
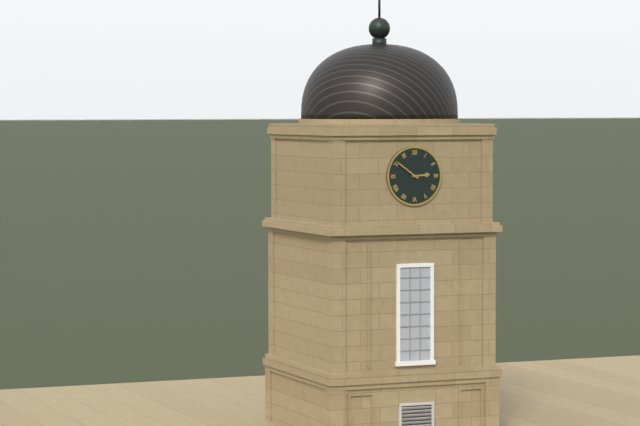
2:51
